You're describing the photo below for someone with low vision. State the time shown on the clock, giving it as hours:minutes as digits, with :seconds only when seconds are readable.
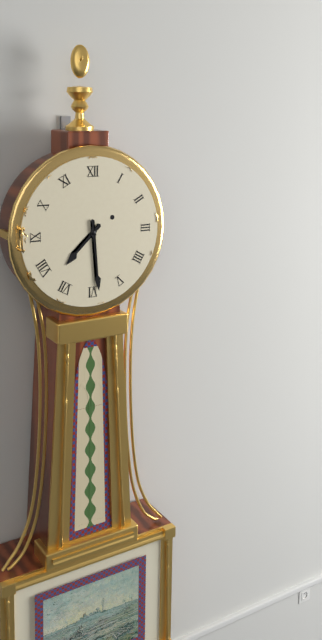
7:29
